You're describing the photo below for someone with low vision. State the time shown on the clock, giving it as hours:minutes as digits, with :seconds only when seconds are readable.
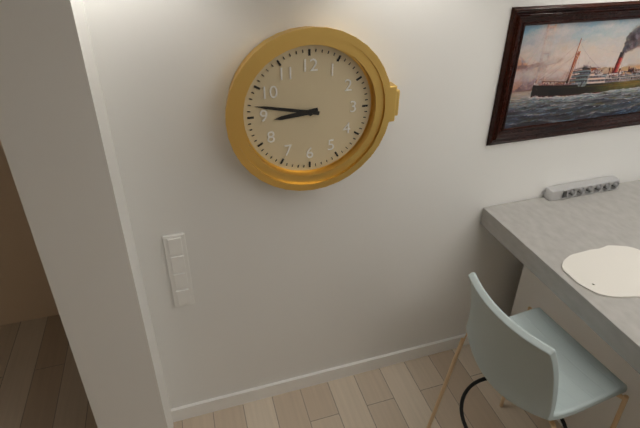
8:47
